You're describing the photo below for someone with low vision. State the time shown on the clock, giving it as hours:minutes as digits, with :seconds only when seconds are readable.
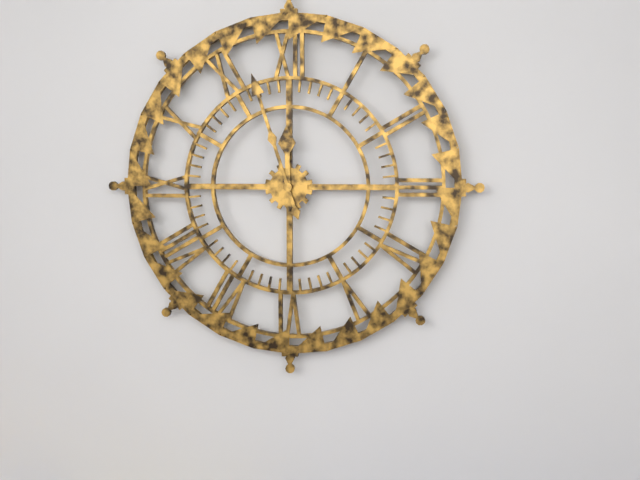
11:57
